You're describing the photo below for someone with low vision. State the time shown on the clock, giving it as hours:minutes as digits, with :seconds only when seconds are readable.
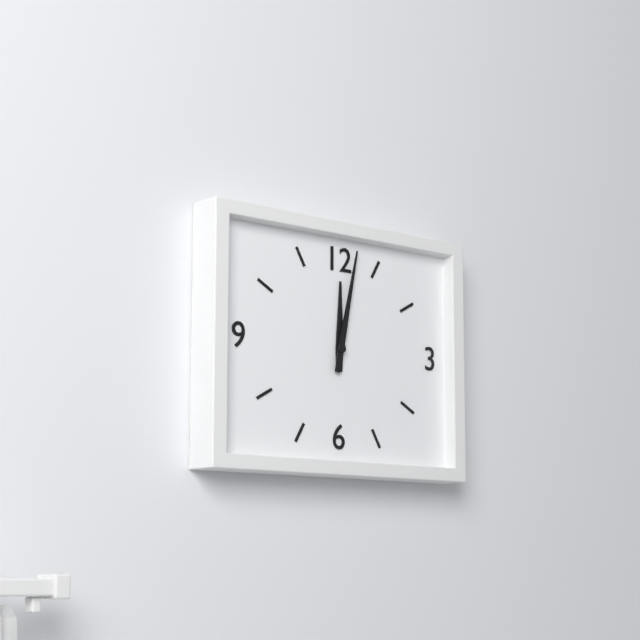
12:02
